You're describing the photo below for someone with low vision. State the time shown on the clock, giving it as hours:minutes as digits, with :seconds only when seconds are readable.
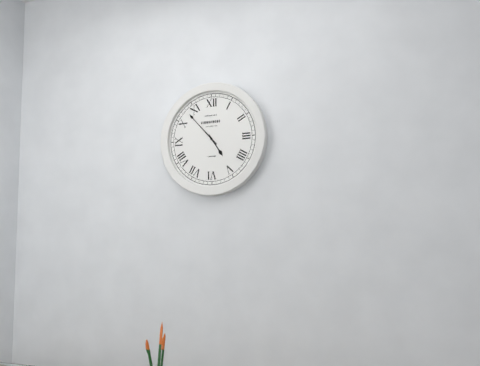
4:53
